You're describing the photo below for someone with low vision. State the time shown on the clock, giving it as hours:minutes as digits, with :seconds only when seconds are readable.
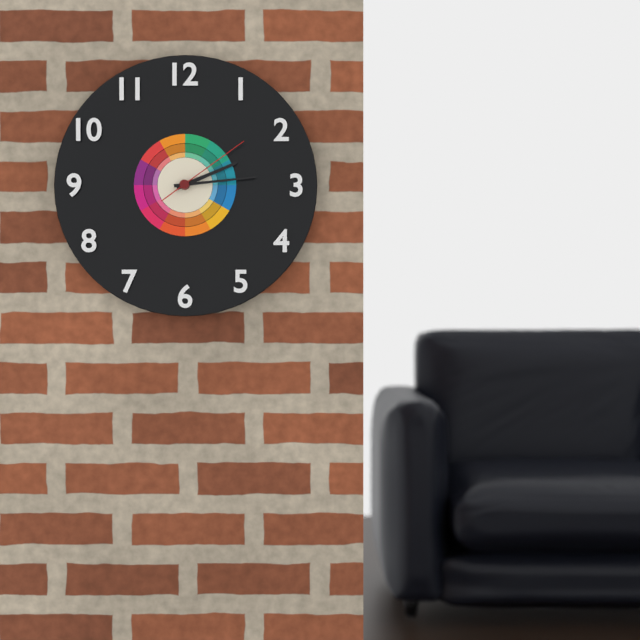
2:14:09
